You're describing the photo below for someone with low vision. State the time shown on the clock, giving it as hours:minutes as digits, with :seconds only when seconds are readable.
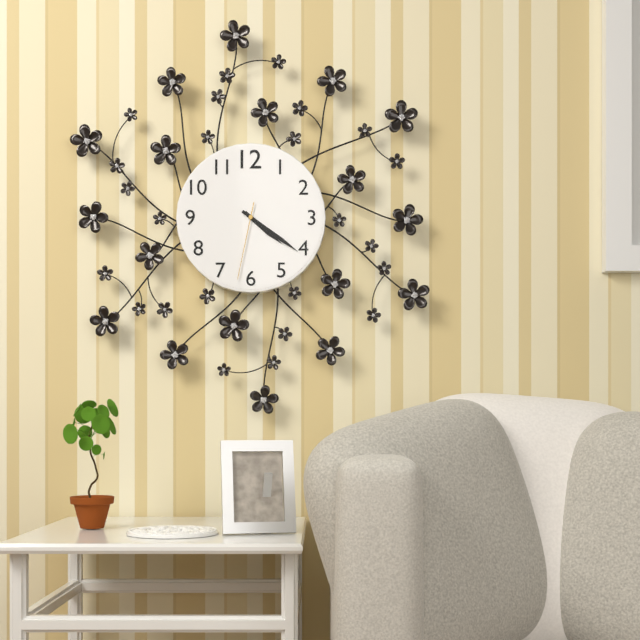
4:21:32
